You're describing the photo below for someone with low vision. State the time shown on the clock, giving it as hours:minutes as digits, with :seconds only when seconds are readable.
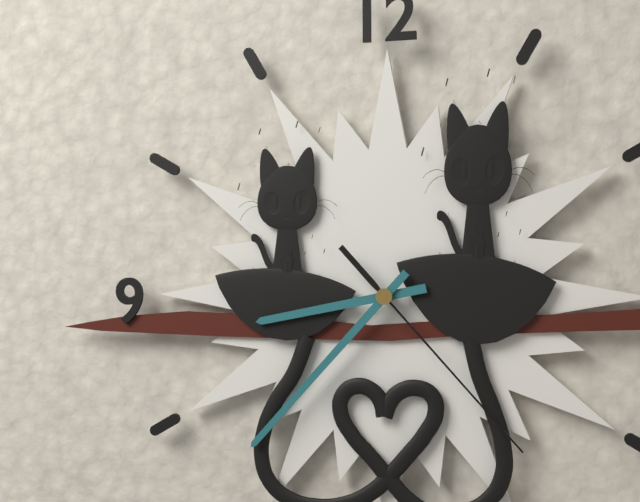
8:37:23
